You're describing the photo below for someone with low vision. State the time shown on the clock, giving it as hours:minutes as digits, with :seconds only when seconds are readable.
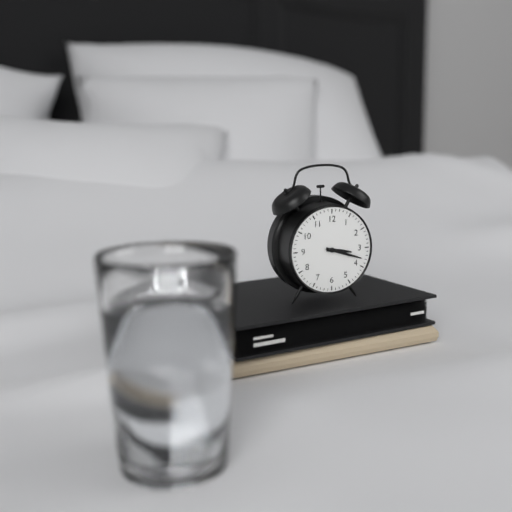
3:18
